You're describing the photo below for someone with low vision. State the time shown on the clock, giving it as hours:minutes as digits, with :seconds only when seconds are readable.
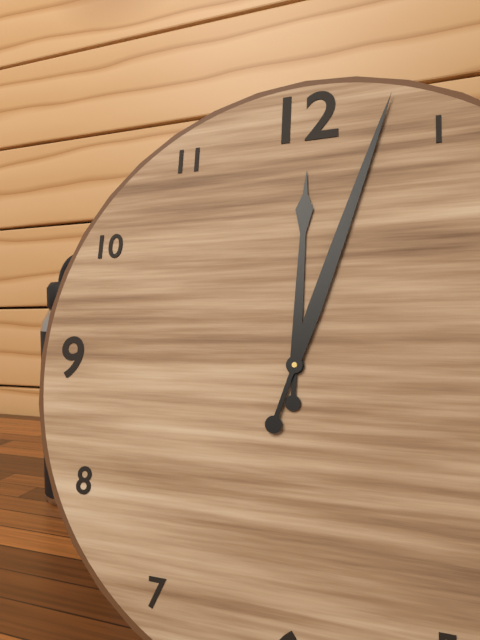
12:03
